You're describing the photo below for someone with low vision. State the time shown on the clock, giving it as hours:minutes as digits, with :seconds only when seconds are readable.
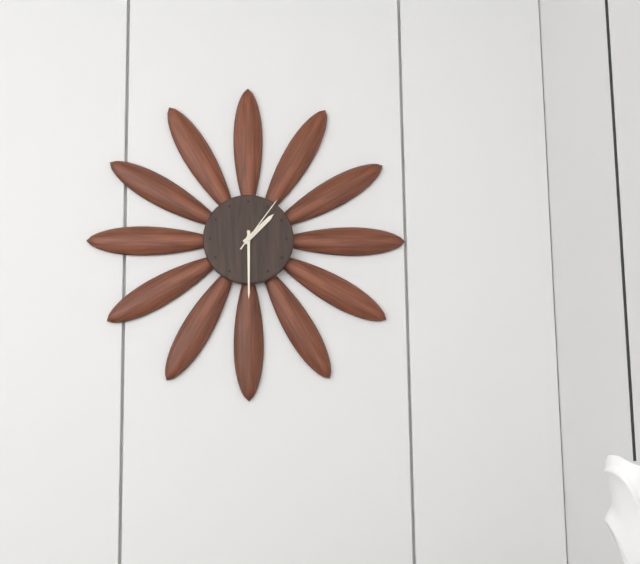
1:30:06
